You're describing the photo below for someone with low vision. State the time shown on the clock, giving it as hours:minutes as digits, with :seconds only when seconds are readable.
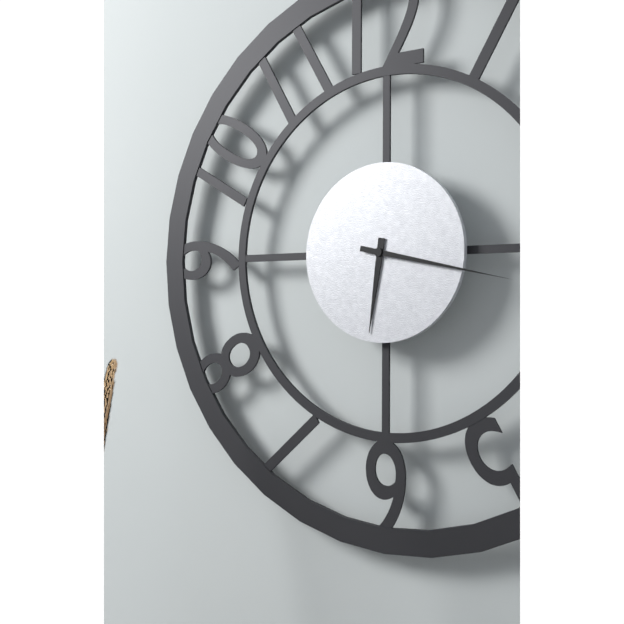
6:17
